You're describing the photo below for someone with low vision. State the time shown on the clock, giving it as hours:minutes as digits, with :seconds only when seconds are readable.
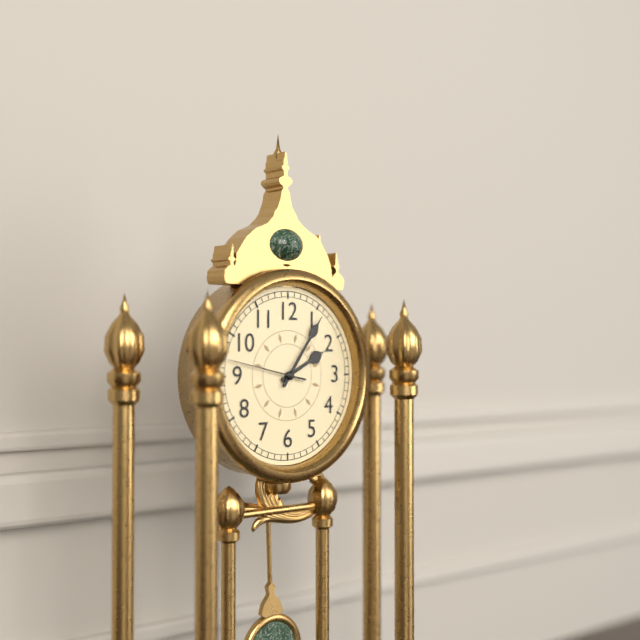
2:06:47
